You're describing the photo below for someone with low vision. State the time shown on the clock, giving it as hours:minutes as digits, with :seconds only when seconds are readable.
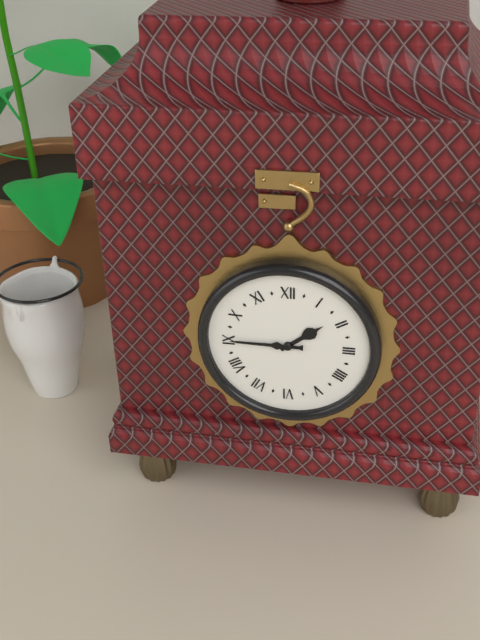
1:45
